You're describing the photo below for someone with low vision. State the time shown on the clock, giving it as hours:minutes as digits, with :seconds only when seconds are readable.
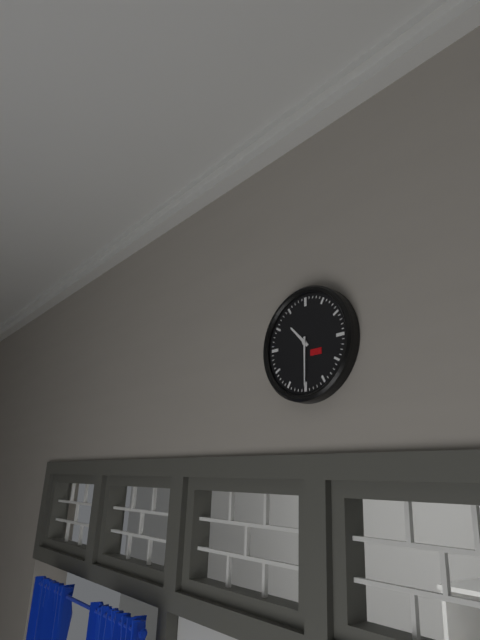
10:30
